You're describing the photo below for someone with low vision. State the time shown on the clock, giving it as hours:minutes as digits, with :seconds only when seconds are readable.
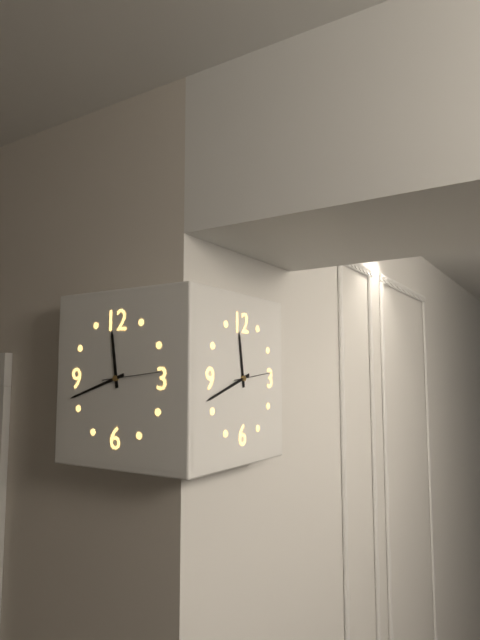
11:42
